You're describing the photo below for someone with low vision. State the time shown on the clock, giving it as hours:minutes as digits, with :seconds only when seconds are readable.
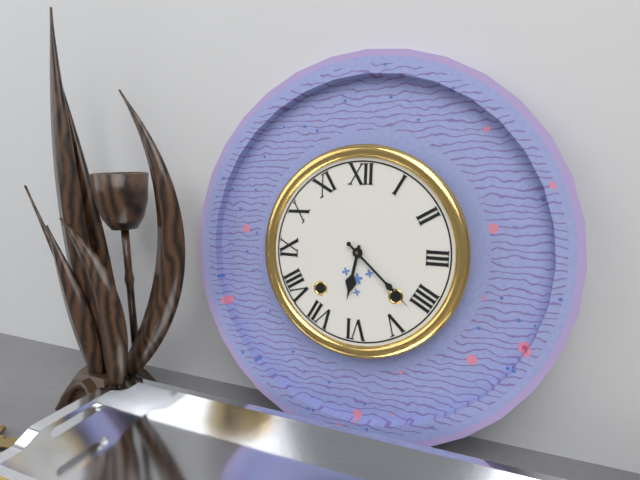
6:22
